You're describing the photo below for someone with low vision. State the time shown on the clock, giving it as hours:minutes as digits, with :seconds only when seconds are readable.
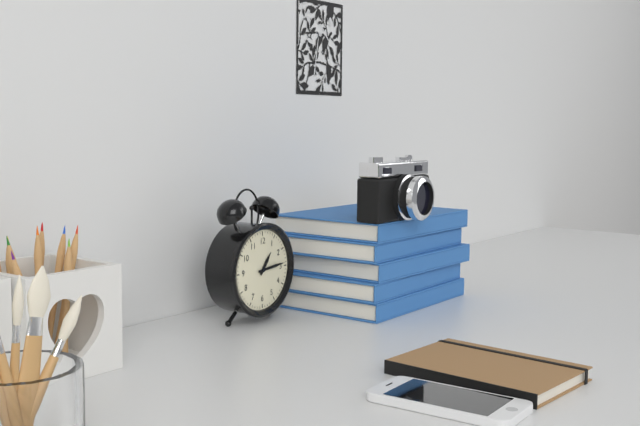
1:14
